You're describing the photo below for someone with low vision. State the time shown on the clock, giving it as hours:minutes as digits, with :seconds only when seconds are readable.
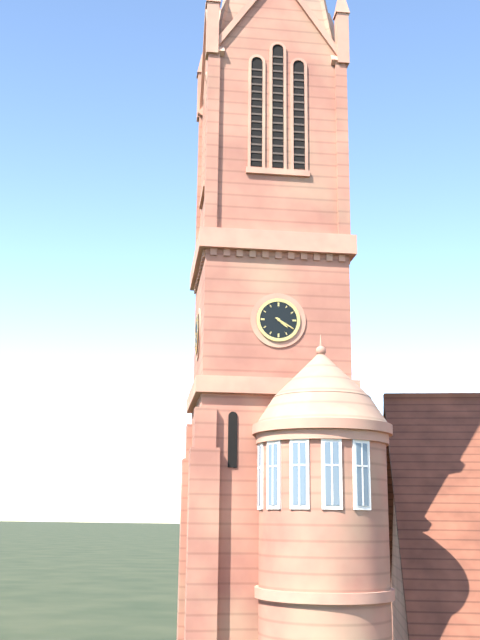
4:20
